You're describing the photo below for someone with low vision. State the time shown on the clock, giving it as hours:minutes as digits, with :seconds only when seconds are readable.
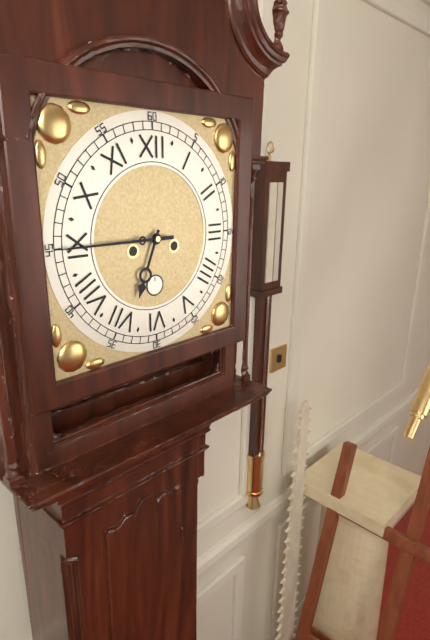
6:45
